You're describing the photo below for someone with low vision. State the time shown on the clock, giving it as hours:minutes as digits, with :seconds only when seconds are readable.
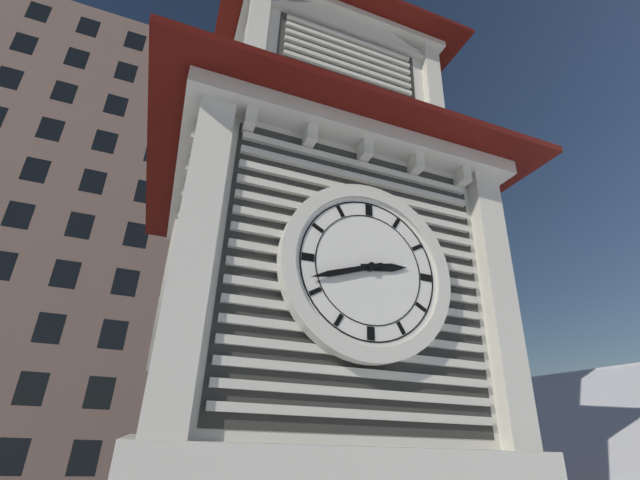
2:42
